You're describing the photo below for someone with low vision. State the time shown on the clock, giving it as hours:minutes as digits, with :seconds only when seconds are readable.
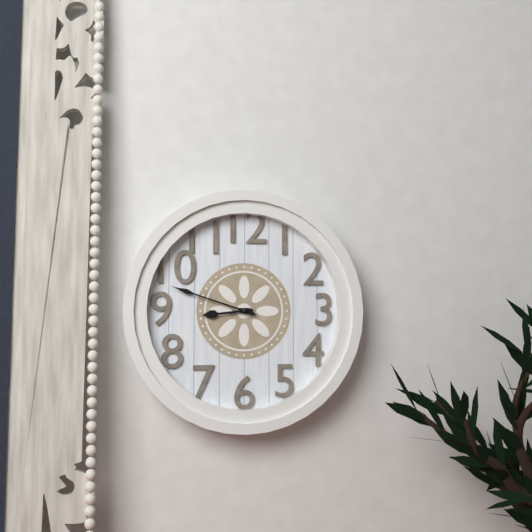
8:48
